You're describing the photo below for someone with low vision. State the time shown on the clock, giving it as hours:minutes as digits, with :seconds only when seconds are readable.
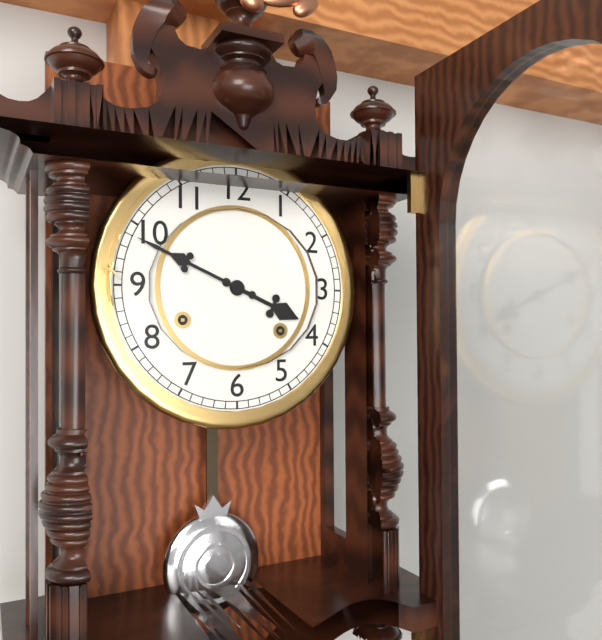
3:49
